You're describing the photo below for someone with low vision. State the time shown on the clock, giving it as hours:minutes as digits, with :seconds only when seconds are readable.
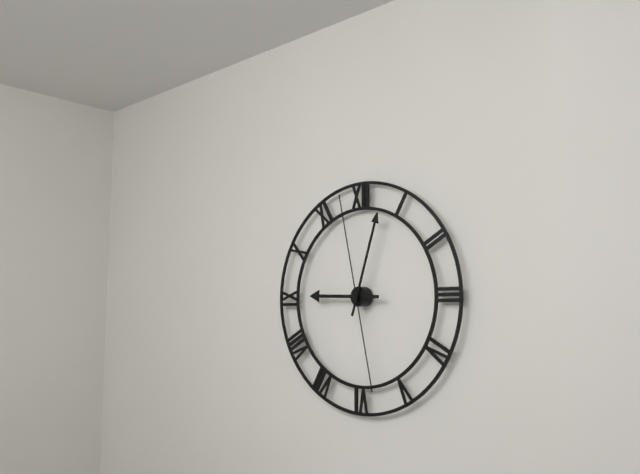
9:03:58
